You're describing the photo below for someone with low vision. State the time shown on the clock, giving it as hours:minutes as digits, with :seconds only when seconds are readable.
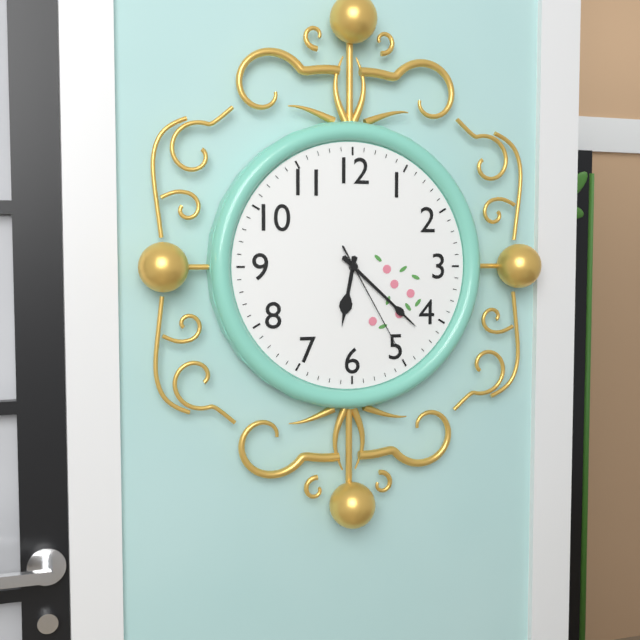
6:22:25
